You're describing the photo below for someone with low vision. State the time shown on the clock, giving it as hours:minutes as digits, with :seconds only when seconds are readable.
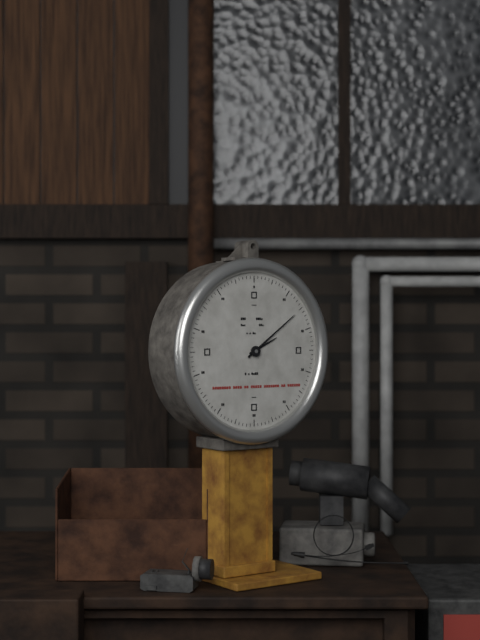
2:09
